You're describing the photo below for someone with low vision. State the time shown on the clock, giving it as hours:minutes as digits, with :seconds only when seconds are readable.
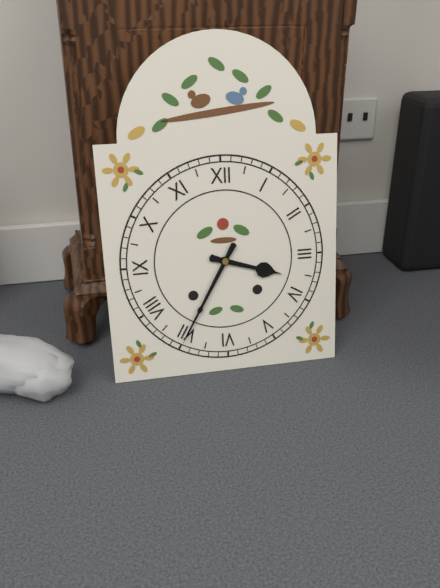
3:35
